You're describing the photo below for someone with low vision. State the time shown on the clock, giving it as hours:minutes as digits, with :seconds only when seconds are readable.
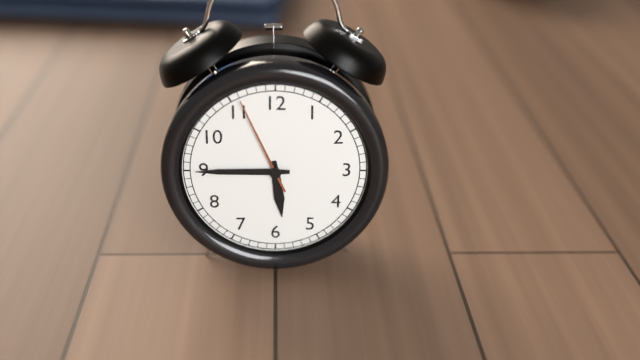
5:45:56
